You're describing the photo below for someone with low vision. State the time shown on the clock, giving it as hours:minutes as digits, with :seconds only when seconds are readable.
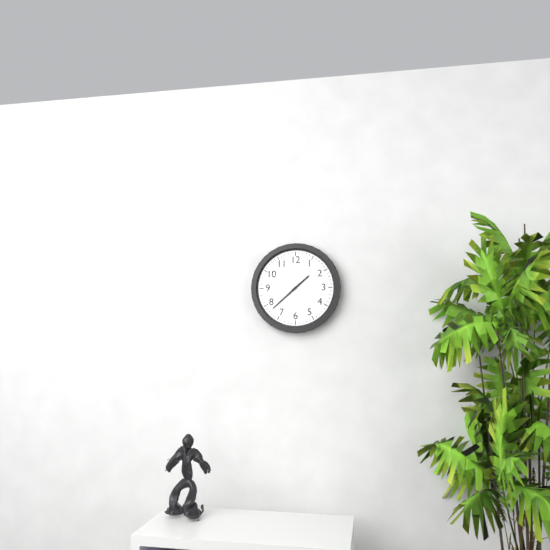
1:38
